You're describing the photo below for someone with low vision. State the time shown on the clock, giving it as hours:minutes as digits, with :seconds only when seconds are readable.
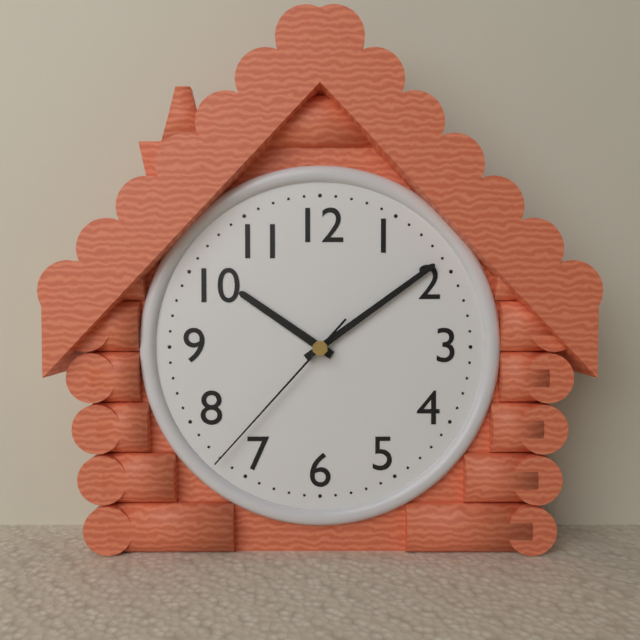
10:09:37
